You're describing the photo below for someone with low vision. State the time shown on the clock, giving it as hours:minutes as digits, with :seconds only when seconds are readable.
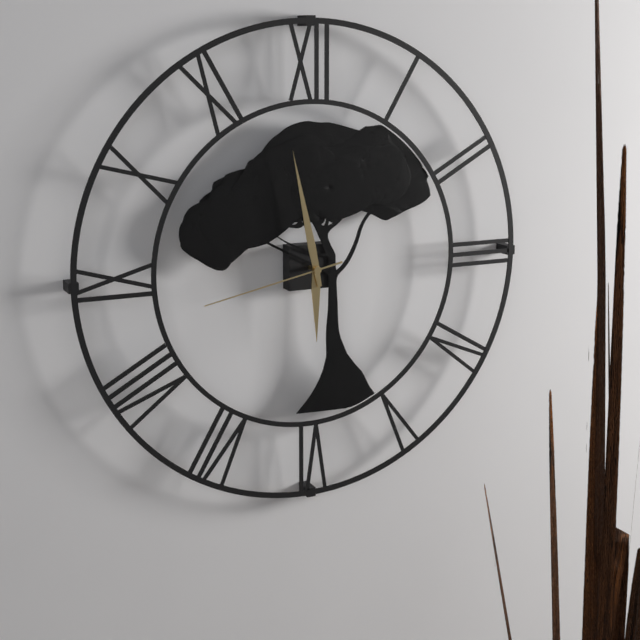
5:58:43
